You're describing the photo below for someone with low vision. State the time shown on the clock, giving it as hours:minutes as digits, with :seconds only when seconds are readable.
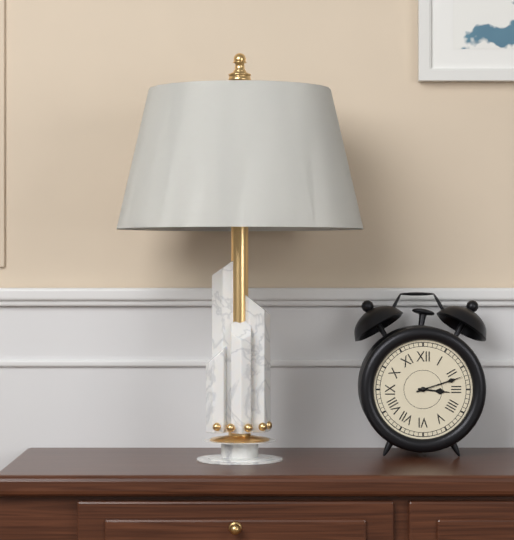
3:12
